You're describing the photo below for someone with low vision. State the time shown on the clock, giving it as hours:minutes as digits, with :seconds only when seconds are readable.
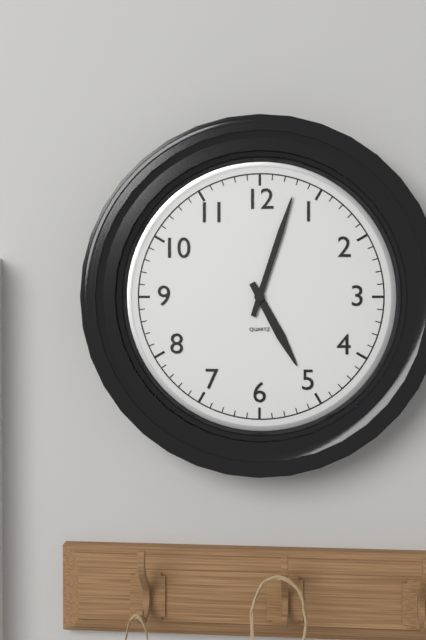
5:03
